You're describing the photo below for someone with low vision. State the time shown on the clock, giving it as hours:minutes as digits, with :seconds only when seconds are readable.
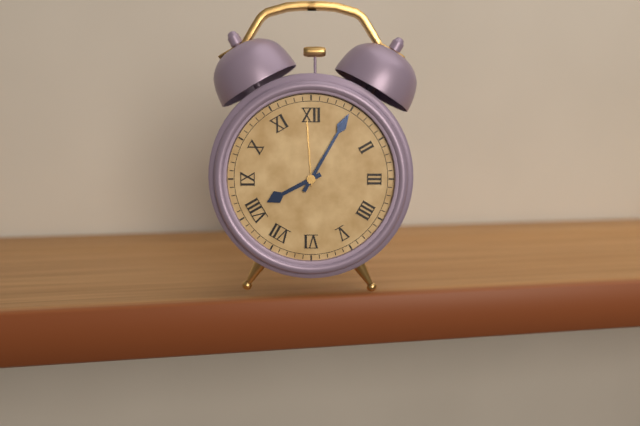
8:05
